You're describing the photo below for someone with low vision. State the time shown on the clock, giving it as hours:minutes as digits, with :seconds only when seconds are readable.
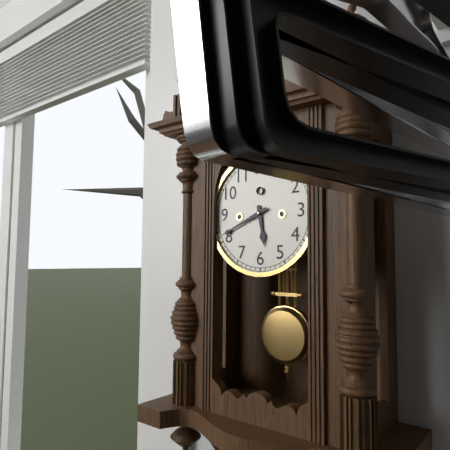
5:41
